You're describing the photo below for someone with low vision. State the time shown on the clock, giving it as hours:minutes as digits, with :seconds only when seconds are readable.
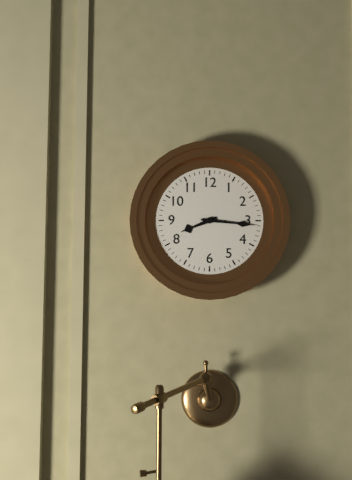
8:16
